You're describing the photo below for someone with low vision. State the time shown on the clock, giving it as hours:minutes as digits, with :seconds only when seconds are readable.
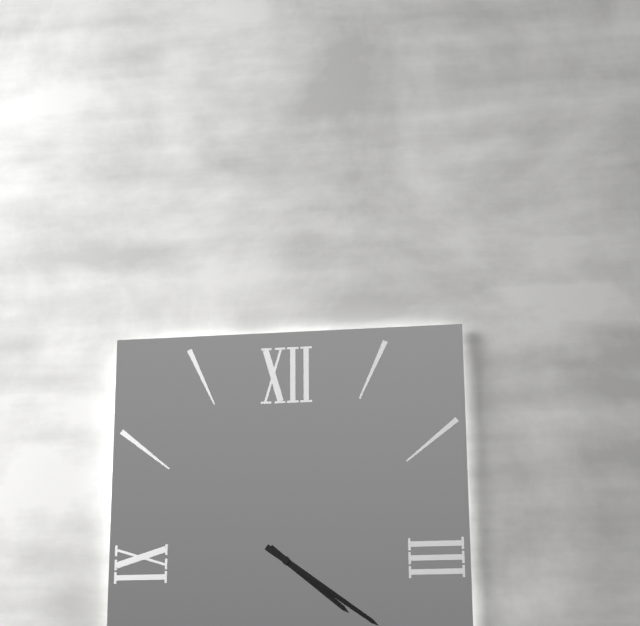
4:21
